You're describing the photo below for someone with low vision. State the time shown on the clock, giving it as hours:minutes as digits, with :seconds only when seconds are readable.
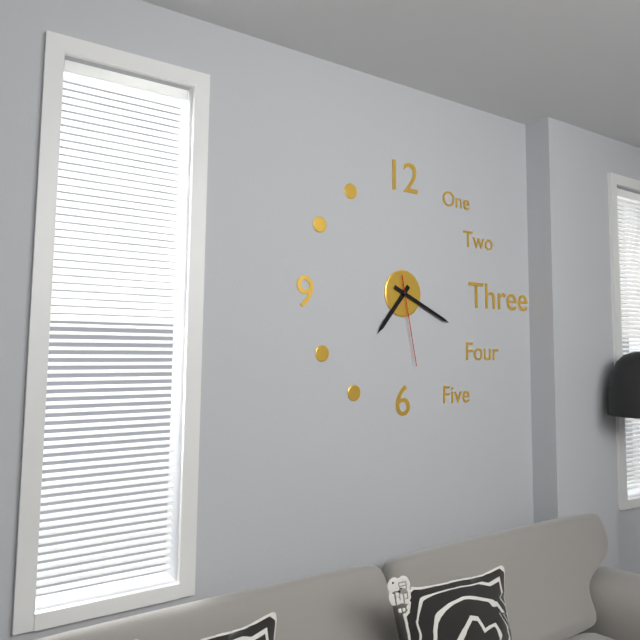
7:19:28
